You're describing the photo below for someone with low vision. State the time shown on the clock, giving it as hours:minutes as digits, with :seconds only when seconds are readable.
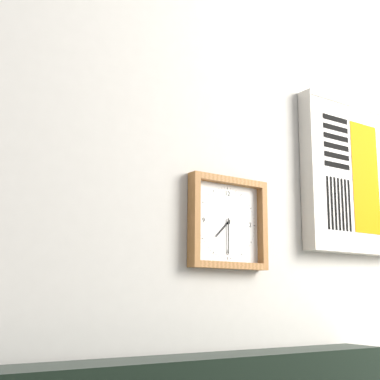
7:30
